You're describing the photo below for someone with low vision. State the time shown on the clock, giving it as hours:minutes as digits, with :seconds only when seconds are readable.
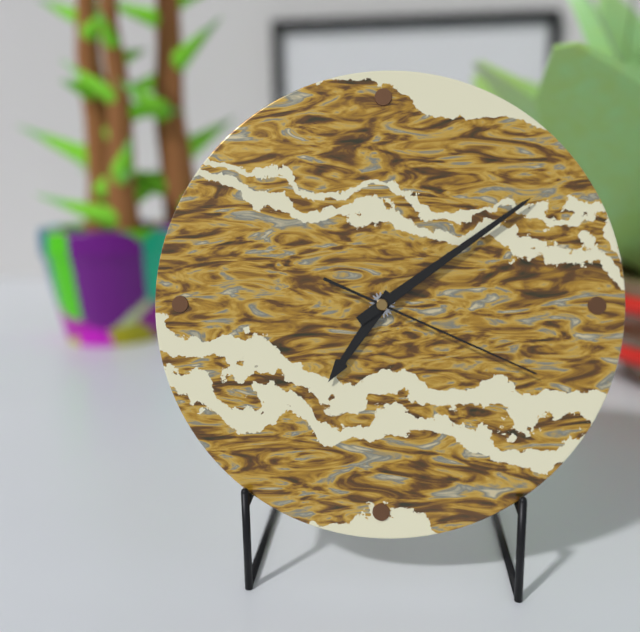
7:09:19
